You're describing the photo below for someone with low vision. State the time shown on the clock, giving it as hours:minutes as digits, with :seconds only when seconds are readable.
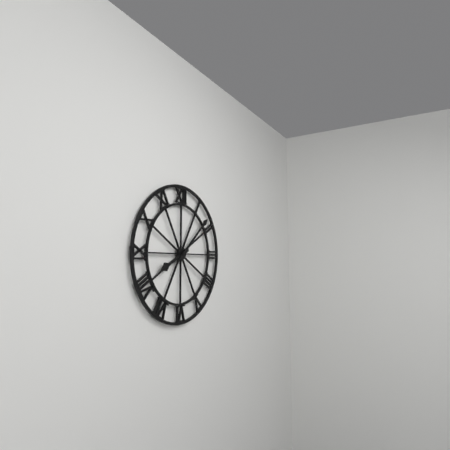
8:08
